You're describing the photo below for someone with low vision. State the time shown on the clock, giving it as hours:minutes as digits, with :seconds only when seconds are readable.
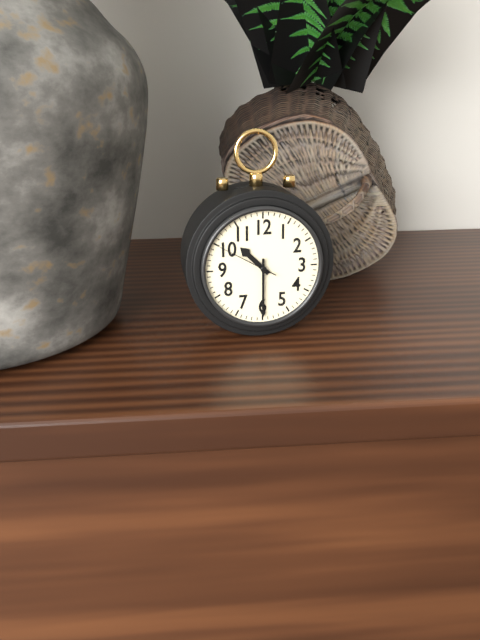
10:30:50
